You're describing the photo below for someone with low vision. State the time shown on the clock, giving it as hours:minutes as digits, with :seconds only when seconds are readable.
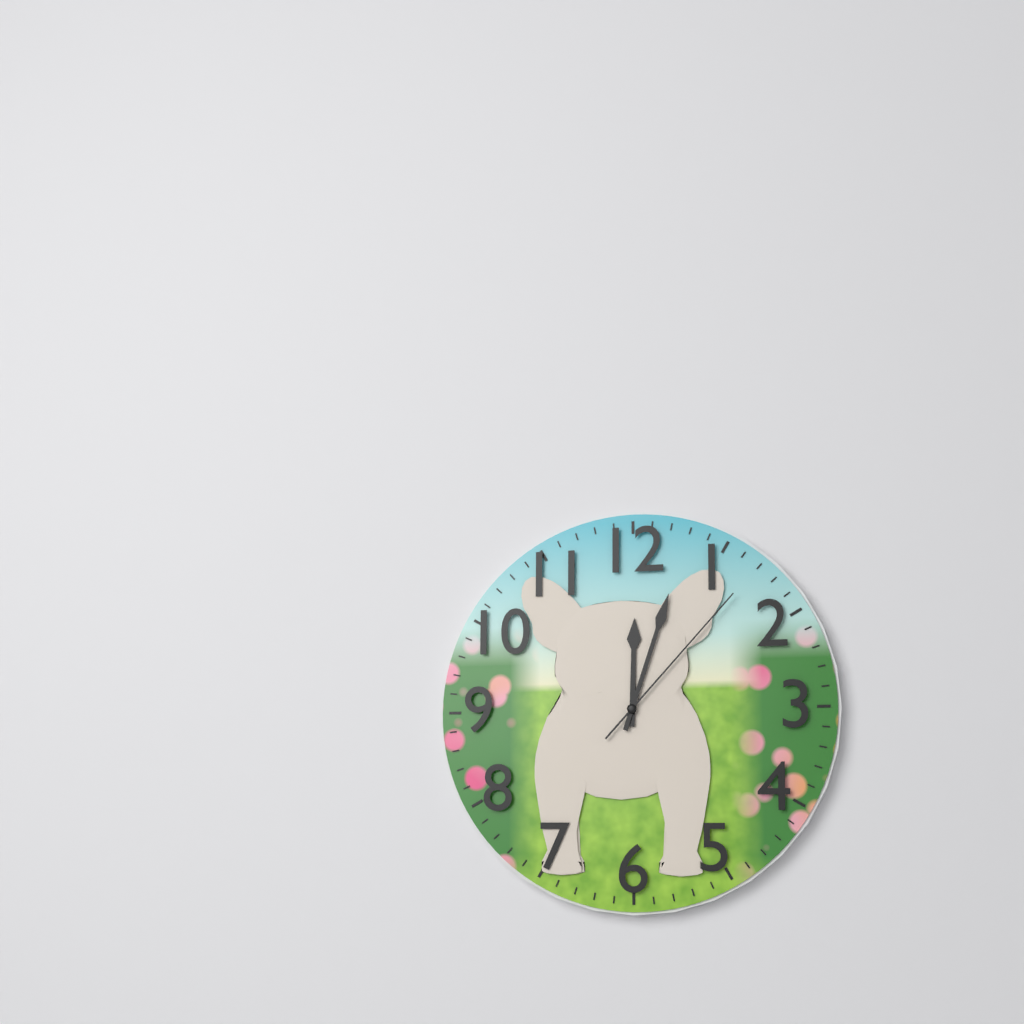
12:03:07
